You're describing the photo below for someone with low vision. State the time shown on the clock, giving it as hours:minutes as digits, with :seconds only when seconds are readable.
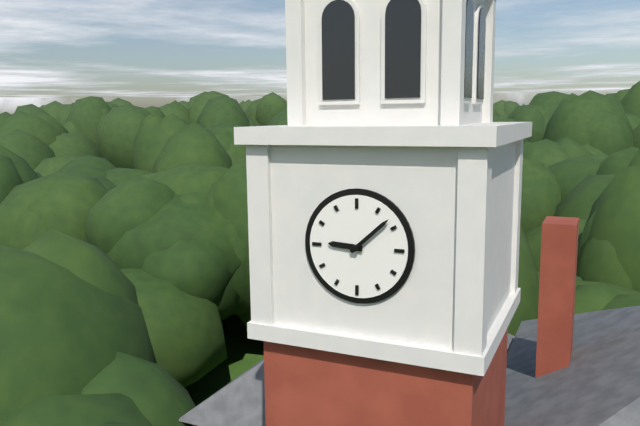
9:08
